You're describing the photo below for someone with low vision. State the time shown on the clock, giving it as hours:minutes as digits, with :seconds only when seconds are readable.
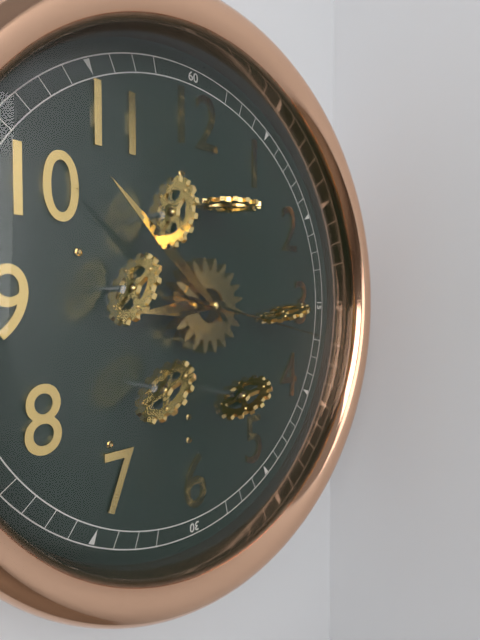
8:52:17
